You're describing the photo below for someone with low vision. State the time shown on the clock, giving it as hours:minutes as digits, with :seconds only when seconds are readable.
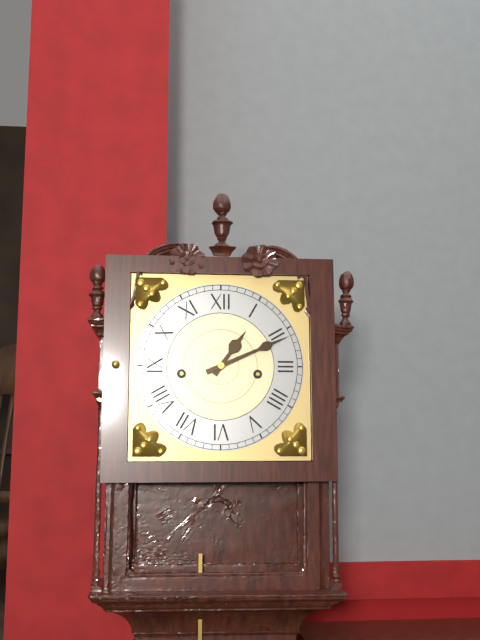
1:11
